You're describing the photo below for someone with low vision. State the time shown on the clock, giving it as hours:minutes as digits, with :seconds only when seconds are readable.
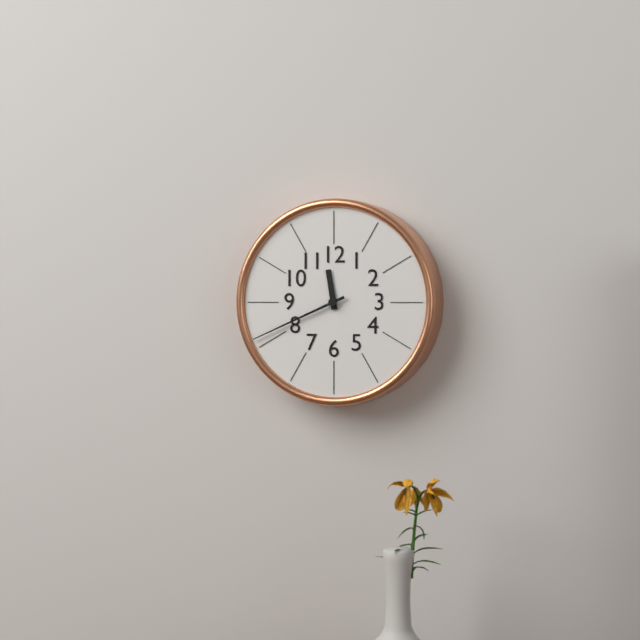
11:41
